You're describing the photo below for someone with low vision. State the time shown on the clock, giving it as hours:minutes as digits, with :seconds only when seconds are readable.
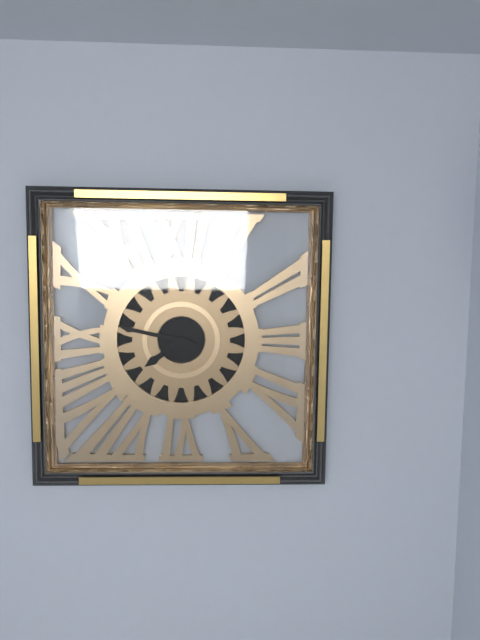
7:47
